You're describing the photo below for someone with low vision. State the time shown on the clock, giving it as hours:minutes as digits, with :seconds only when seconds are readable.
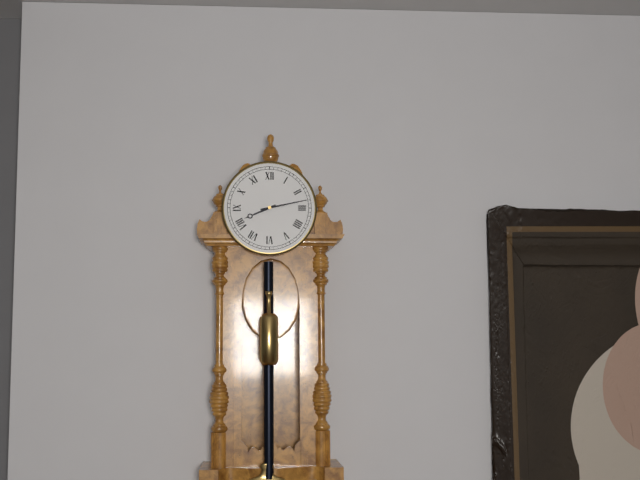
8:13
